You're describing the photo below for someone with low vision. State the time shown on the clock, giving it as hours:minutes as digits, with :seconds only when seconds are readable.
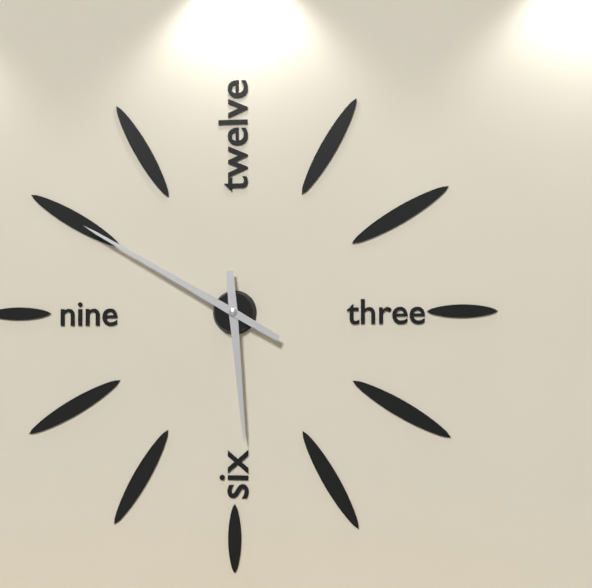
5:50
